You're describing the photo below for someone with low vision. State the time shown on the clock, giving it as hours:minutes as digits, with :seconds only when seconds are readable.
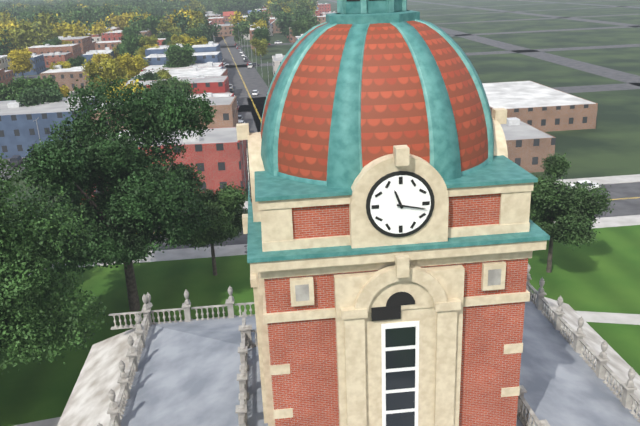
11:17
